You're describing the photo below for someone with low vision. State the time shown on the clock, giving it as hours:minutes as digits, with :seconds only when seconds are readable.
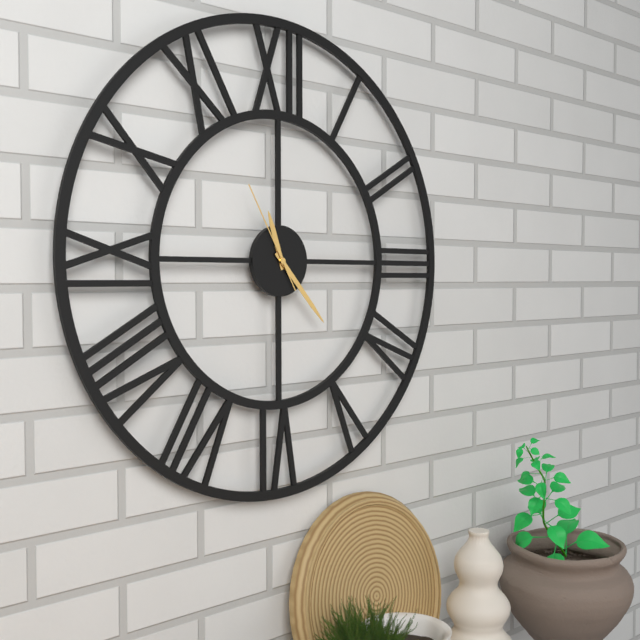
11:23:55
